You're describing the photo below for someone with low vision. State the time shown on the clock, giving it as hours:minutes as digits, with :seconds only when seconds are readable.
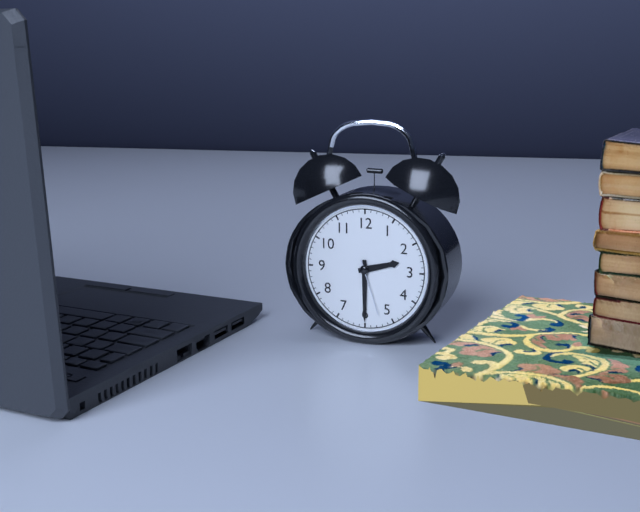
2:30:27
